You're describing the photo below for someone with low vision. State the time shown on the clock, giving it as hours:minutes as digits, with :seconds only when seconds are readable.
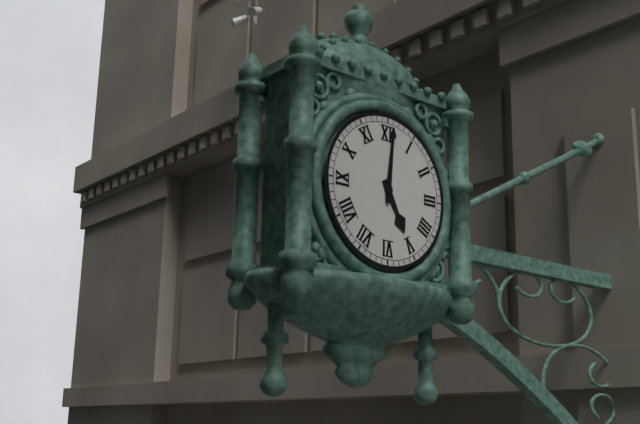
5:01
